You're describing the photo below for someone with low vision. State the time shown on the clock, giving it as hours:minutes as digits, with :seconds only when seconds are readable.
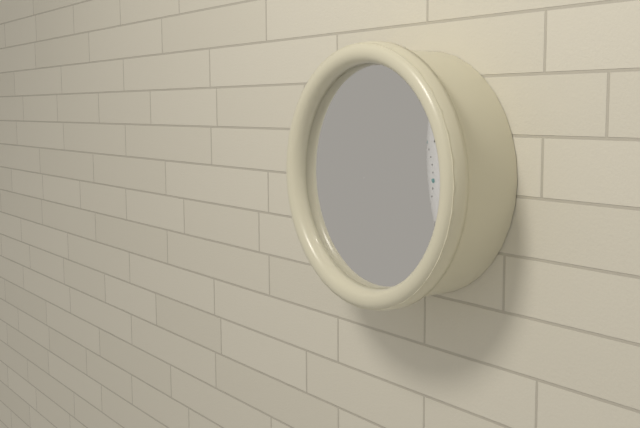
5:55
